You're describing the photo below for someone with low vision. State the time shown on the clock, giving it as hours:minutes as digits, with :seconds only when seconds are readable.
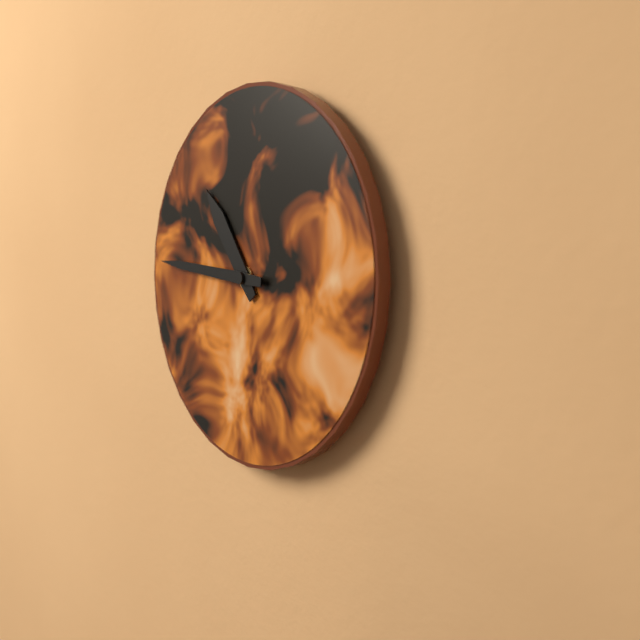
10:46
